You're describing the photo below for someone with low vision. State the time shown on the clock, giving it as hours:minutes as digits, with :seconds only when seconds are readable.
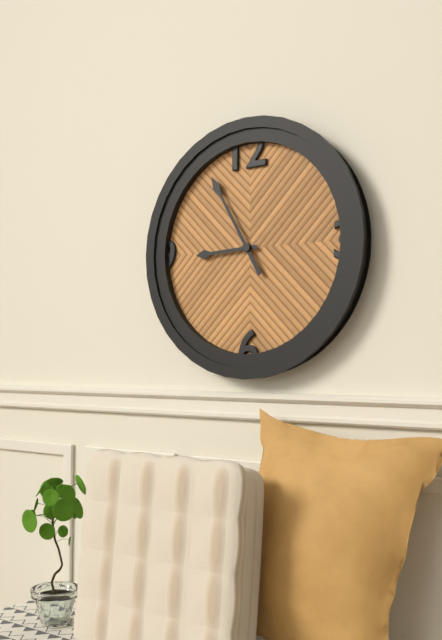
8:55
